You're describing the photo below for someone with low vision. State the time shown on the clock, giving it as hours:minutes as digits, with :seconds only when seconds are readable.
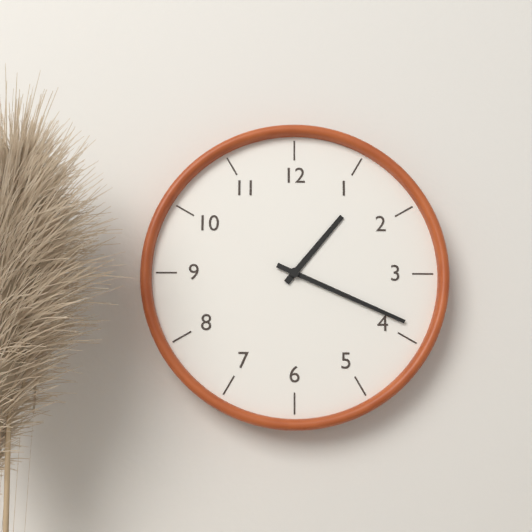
1:19
